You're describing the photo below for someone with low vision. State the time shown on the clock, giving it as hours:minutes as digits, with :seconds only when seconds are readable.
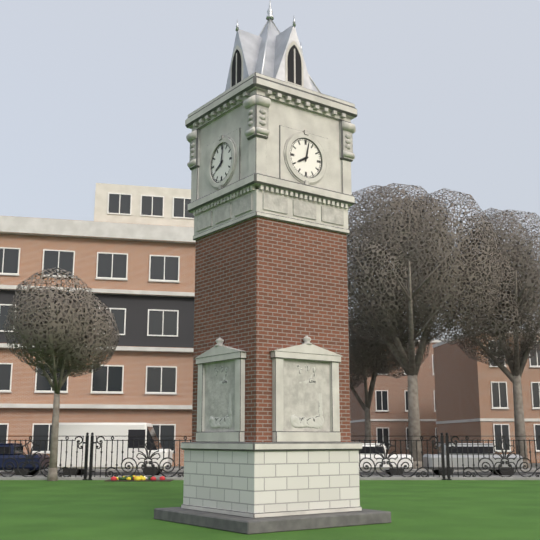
8:02
